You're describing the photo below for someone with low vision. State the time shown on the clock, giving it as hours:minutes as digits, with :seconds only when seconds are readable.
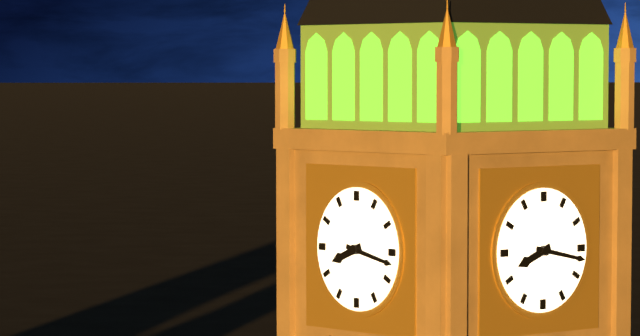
8:17
